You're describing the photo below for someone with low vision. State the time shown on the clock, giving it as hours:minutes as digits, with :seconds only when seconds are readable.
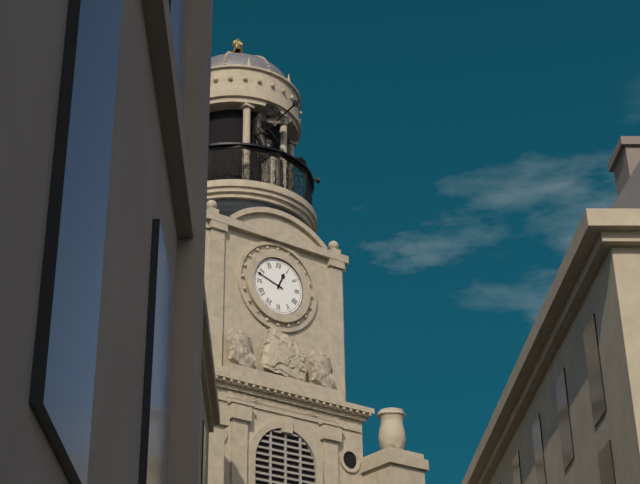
12:48
